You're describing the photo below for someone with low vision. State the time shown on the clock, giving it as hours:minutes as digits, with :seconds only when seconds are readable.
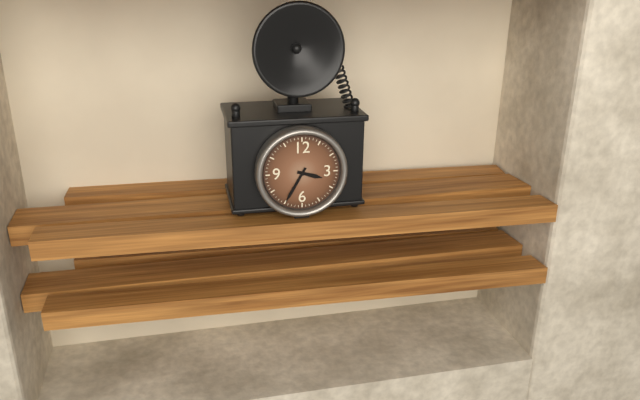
3:35
